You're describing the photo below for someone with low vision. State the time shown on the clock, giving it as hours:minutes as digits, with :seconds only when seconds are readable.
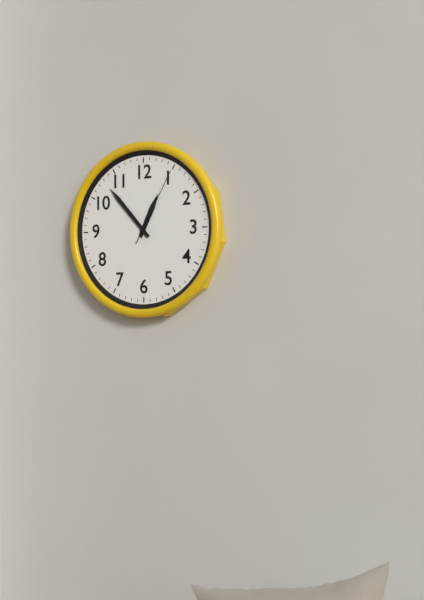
12:53:05
